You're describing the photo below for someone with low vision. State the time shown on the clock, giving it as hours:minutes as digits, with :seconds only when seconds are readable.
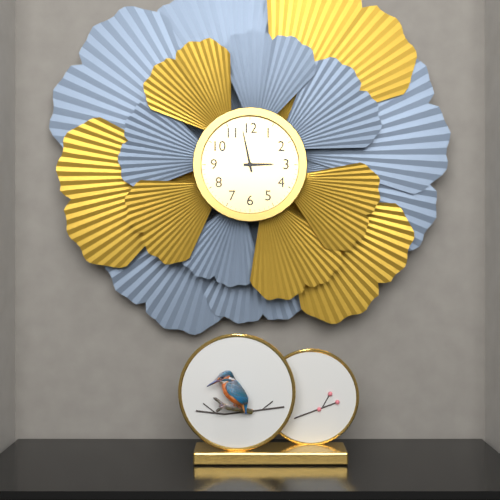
2:58
